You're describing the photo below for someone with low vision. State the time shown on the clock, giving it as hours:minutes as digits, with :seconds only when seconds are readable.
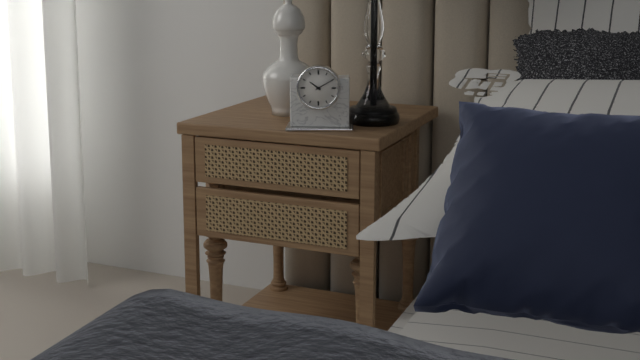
10:10
